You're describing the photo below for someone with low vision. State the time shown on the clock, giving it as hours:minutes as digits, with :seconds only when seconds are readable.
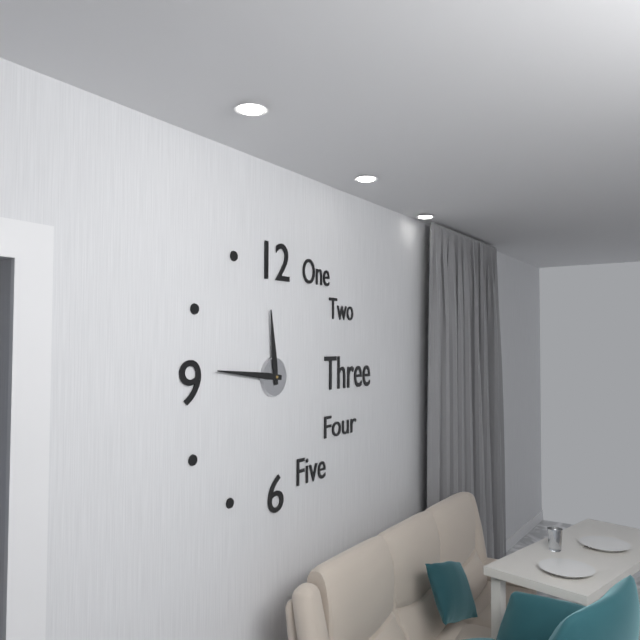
11:46
